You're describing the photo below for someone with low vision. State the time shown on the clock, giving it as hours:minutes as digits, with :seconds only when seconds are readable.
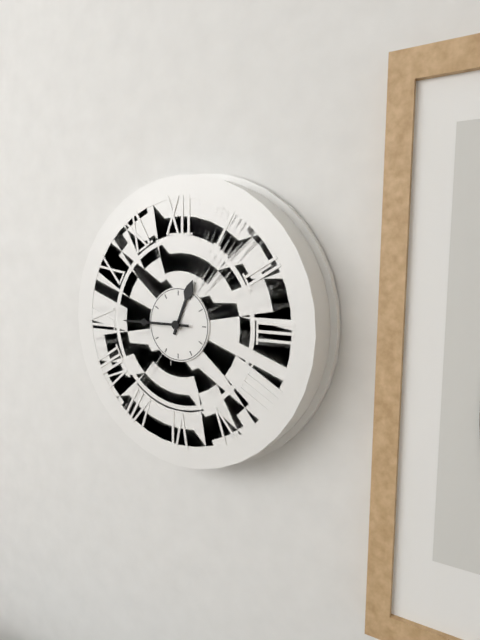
12:45
